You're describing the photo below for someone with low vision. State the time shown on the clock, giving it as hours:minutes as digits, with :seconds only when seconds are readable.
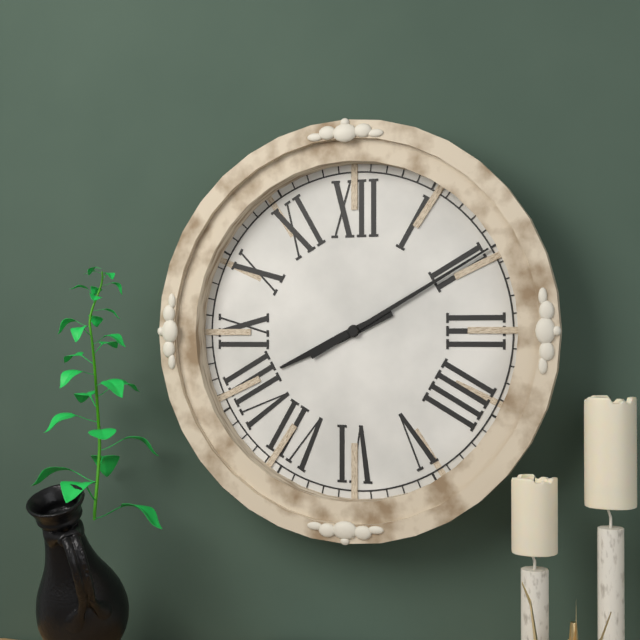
8:10
